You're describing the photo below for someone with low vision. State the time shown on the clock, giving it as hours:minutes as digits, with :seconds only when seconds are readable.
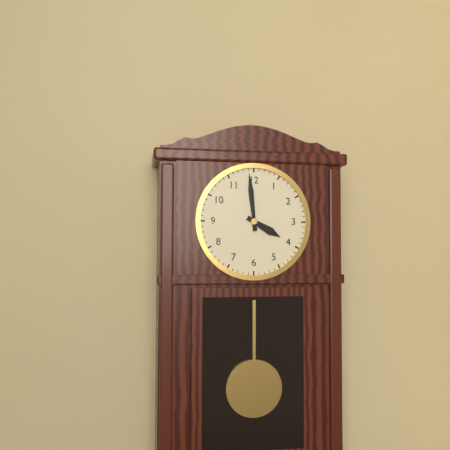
3:59
